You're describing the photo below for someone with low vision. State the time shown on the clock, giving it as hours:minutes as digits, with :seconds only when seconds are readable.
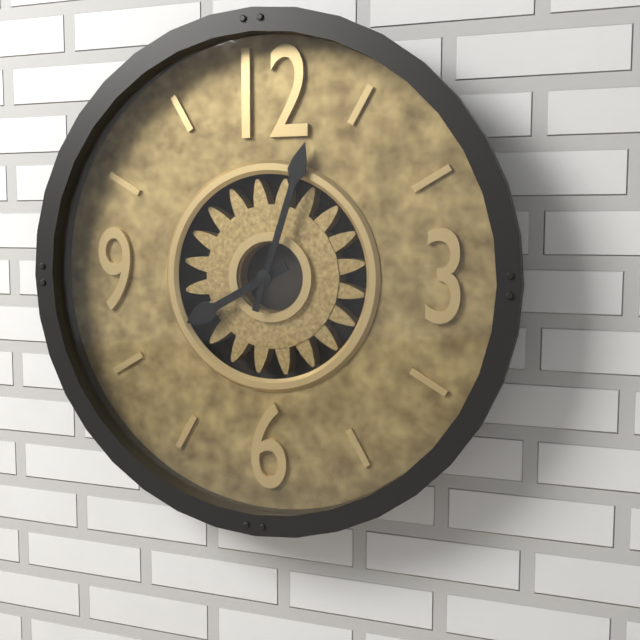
8:03
